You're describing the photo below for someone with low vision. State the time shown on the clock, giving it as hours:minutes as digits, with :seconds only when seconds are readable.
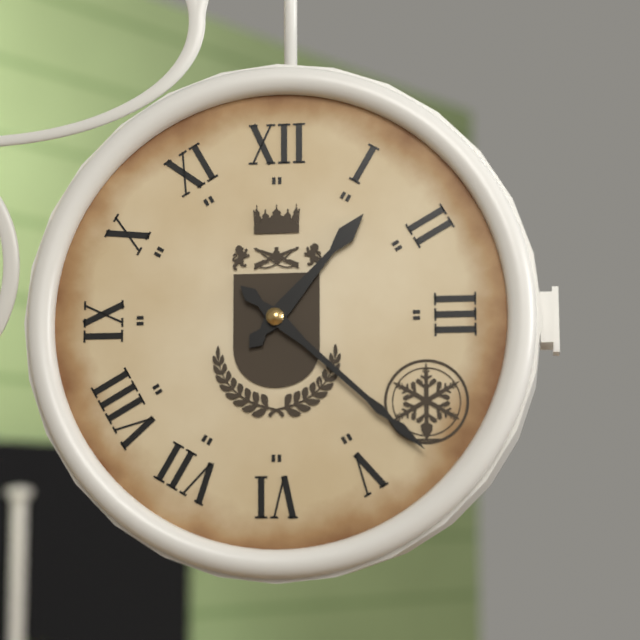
1:22
